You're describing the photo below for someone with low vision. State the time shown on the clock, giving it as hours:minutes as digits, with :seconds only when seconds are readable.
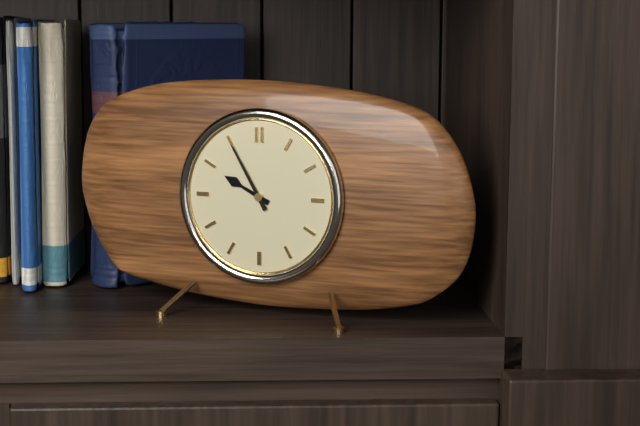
9:55
